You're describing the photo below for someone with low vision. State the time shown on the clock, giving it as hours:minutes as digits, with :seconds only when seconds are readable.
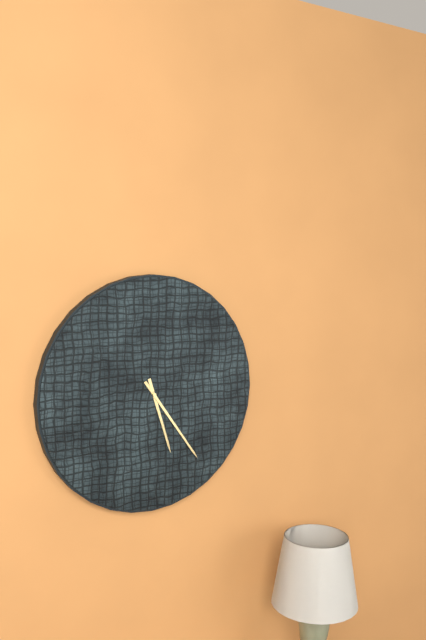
5:24
